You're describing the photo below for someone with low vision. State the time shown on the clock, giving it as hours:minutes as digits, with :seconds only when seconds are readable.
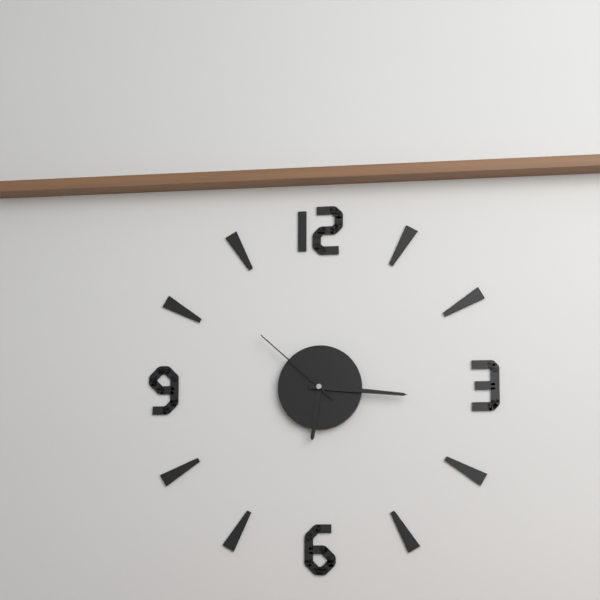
6:16:52
